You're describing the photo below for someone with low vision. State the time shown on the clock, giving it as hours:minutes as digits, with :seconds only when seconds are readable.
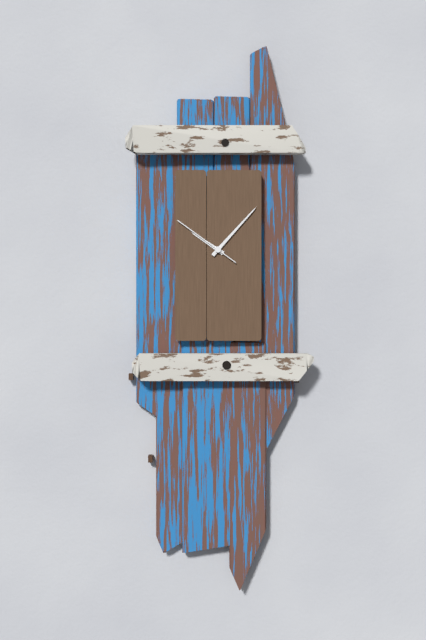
10:07:51
